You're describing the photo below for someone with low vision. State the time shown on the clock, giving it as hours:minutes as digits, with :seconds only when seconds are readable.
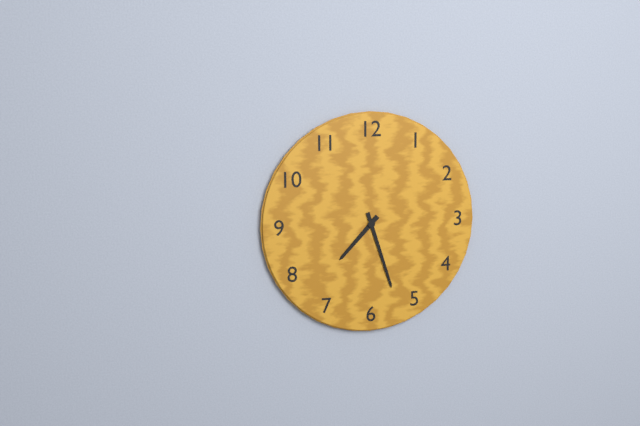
7:27
